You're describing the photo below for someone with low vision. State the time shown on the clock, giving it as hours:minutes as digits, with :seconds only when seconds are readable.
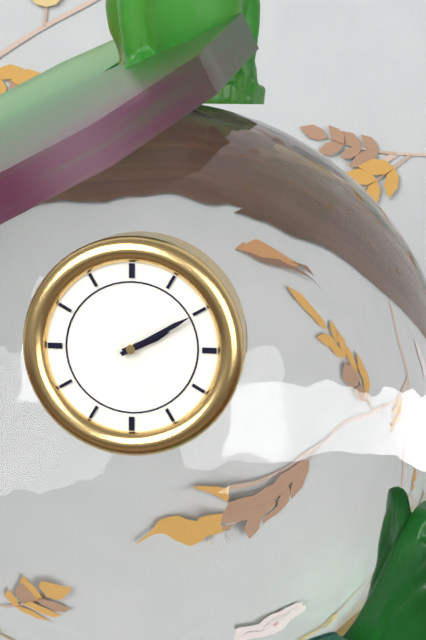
2:10
